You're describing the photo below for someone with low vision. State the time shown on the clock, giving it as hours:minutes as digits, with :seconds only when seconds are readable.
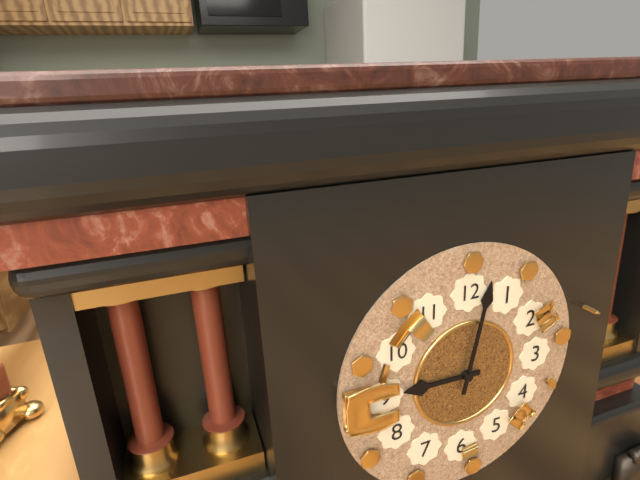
9:02
